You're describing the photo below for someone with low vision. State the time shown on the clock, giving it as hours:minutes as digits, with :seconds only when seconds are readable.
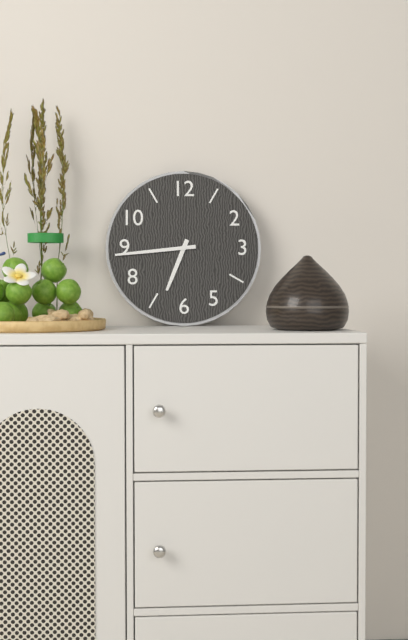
6:44
